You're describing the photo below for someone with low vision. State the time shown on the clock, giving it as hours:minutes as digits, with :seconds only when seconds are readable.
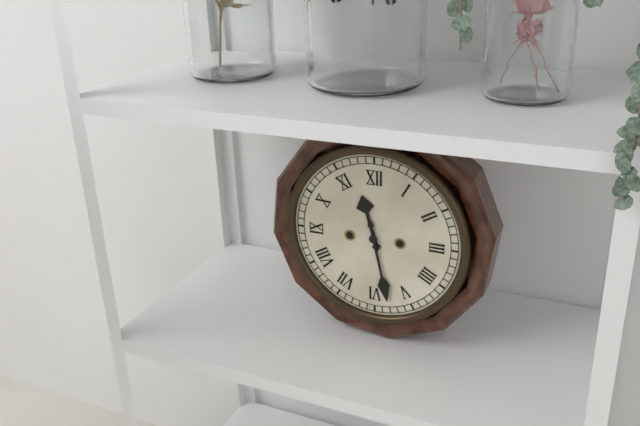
11:28
